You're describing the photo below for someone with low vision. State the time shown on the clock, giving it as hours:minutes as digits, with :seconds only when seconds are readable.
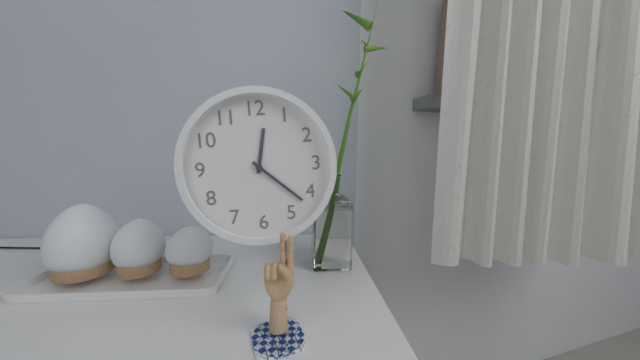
12:22
